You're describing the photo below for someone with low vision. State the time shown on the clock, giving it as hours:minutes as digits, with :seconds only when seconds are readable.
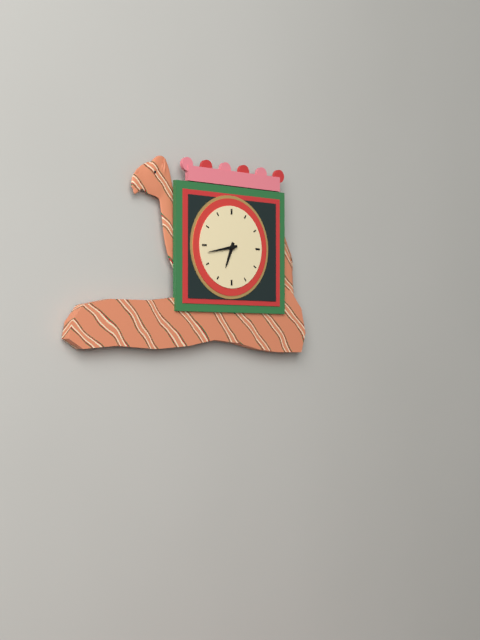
6:43
